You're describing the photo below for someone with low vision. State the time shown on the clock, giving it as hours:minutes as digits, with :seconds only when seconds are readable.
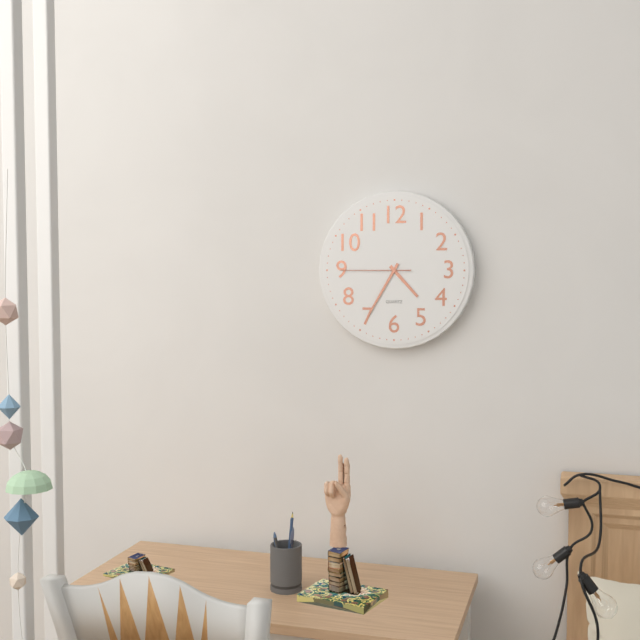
4:35:45
